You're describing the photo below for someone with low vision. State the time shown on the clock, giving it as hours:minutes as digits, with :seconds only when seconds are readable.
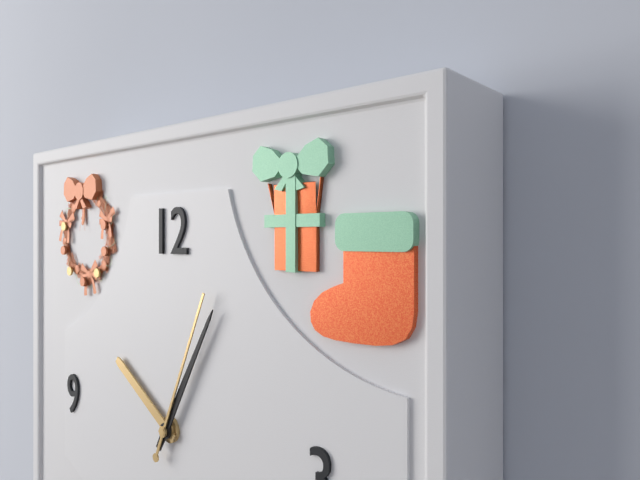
10:05:04
